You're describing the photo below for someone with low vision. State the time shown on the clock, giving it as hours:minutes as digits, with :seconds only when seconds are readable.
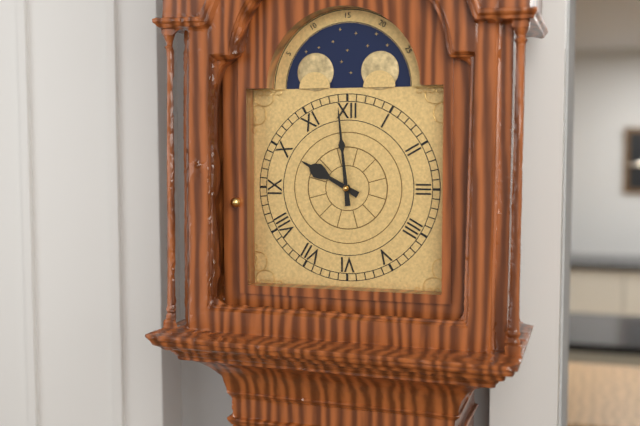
9:59
